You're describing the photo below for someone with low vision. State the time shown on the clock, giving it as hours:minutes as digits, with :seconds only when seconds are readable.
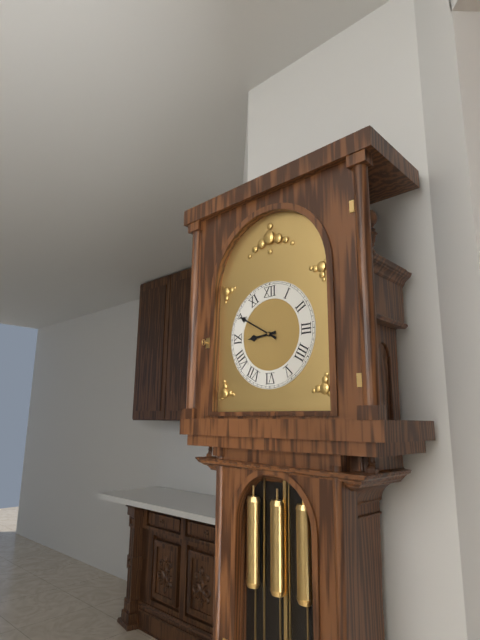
8:50
